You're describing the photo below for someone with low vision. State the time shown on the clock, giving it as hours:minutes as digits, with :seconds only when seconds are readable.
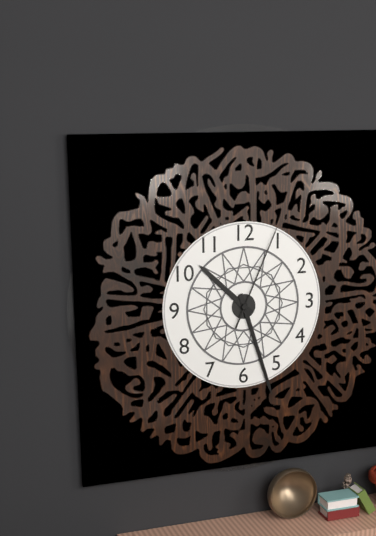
10:27:04
